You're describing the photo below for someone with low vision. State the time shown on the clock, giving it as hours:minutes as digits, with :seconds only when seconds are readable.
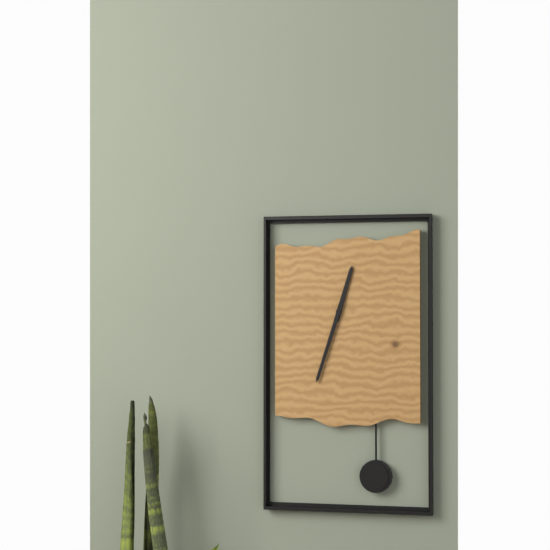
12:33
